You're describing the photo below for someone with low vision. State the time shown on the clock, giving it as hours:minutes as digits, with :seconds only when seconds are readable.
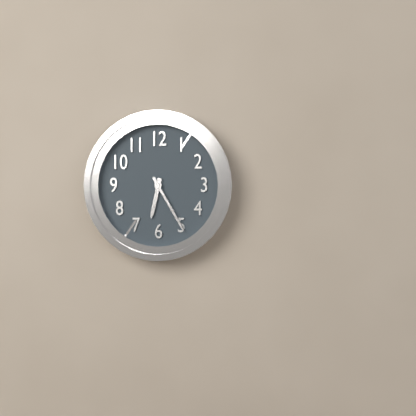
6:25
